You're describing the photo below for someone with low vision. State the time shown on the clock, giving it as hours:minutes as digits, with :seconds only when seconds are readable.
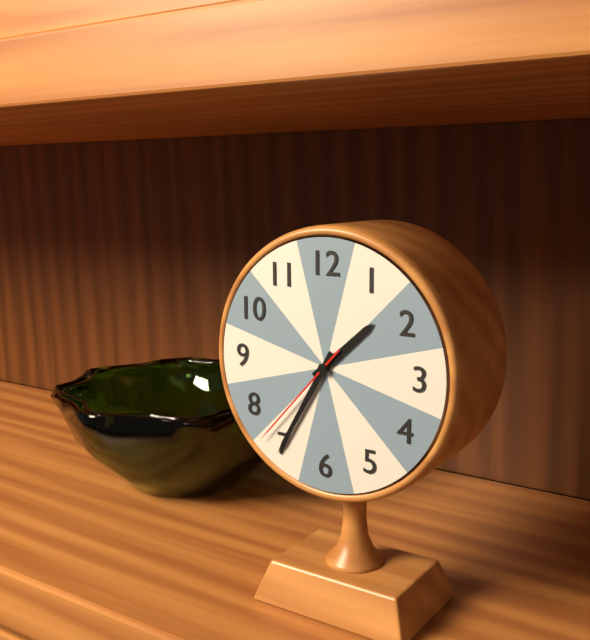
1:35:37
